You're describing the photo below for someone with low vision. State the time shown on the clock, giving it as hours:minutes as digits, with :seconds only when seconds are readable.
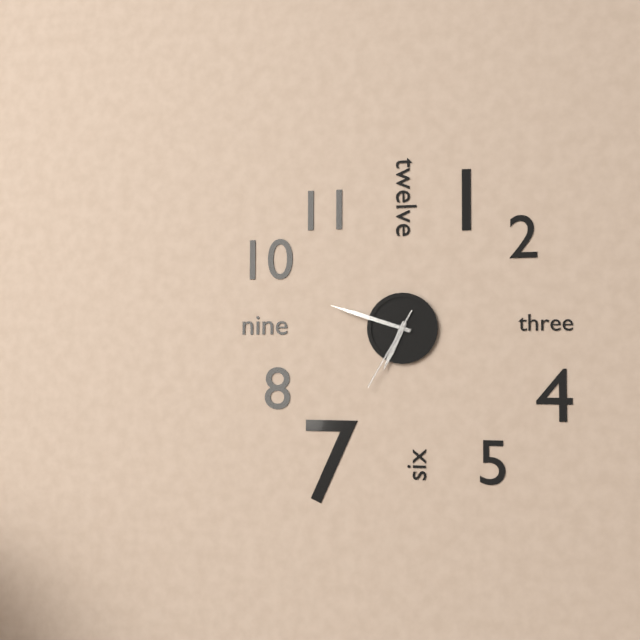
6:48:35
